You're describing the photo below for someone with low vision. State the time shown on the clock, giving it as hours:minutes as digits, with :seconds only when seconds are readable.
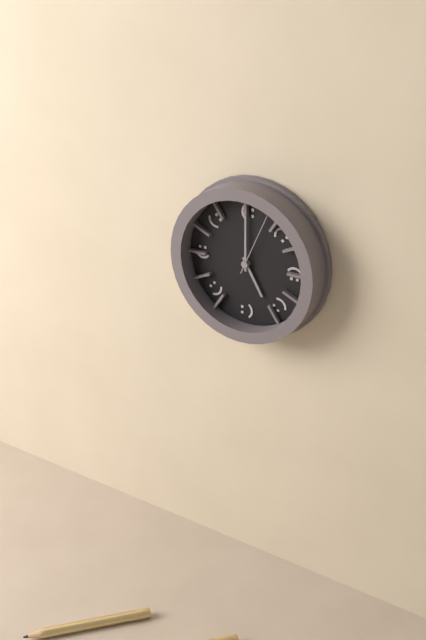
5:00:04
